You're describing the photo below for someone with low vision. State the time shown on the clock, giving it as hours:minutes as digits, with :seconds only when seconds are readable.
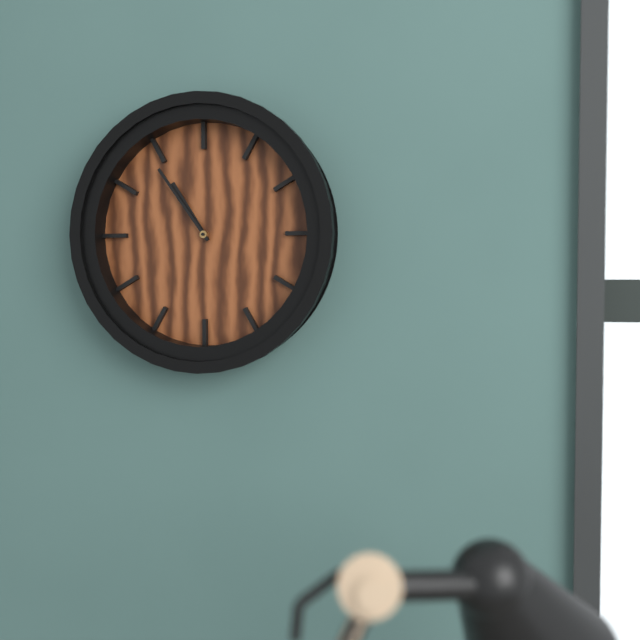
10:54
